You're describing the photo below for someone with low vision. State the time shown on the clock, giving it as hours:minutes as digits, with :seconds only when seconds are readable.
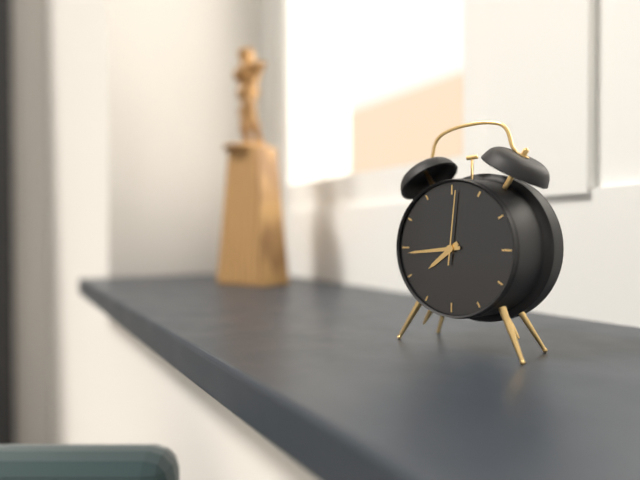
7:44:01
